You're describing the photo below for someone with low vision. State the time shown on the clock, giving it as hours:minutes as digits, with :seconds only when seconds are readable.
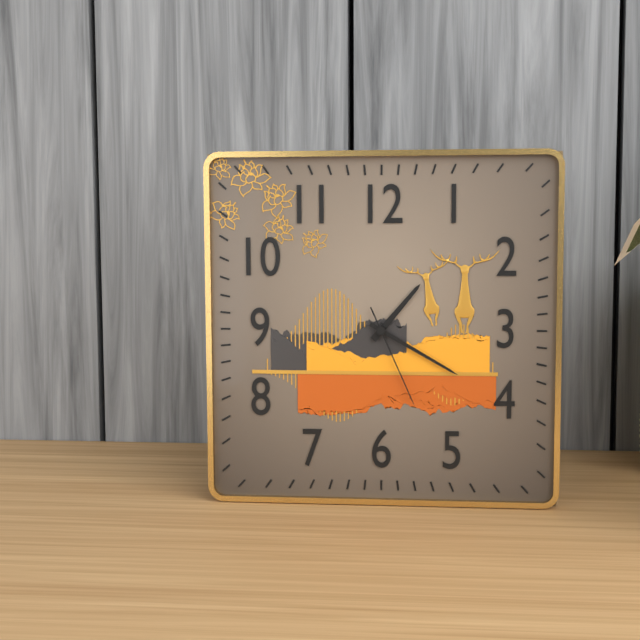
1:20:26
